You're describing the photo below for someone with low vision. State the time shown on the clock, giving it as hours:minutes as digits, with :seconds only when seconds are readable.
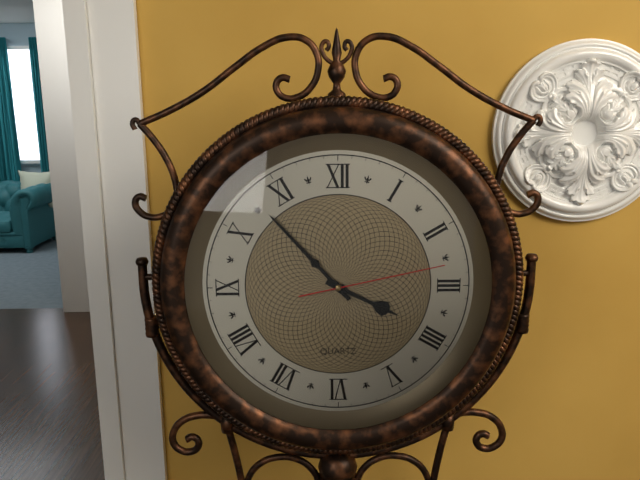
3:53:13
